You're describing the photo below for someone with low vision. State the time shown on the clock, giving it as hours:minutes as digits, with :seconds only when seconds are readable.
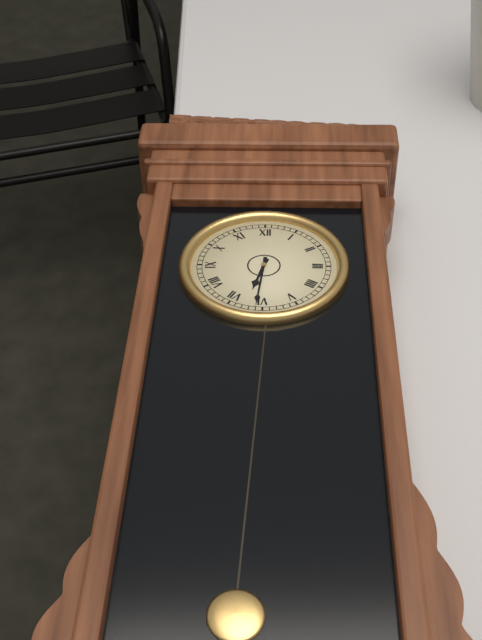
6:31
